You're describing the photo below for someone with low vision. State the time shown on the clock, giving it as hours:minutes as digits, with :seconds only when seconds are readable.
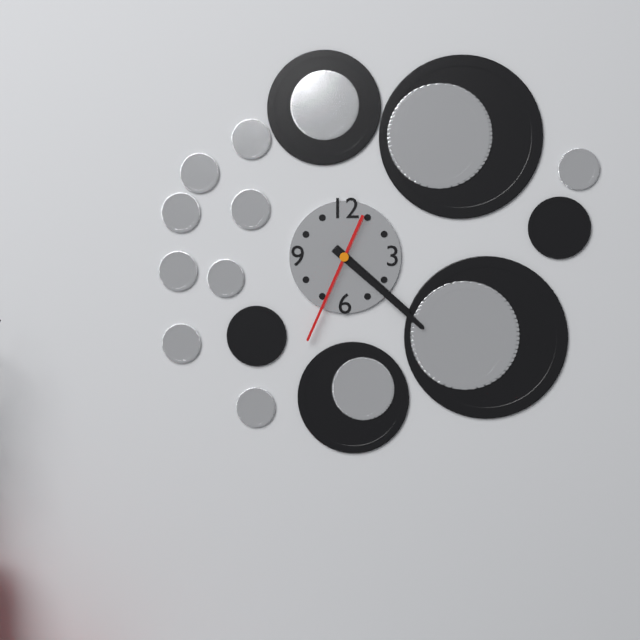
4:22:34
